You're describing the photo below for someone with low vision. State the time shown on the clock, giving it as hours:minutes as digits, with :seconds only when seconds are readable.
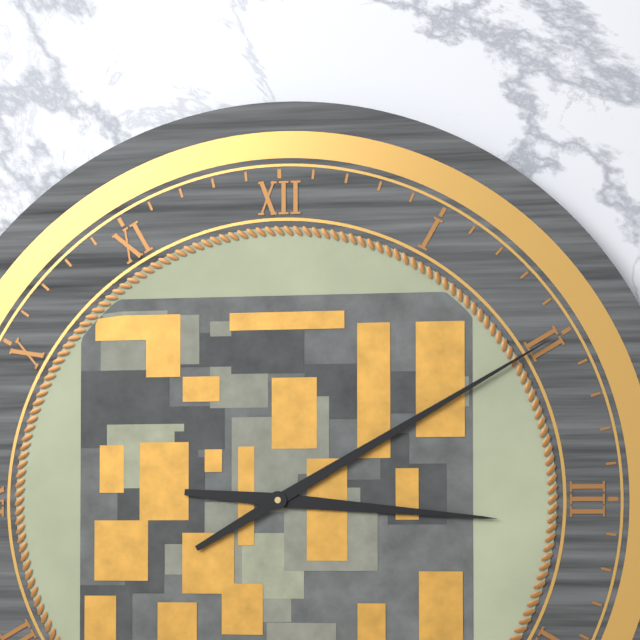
3:10
